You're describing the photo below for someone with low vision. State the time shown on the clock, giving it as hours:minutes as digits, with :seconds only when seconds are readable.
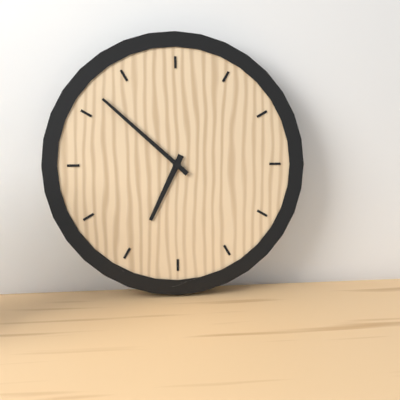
6:52
